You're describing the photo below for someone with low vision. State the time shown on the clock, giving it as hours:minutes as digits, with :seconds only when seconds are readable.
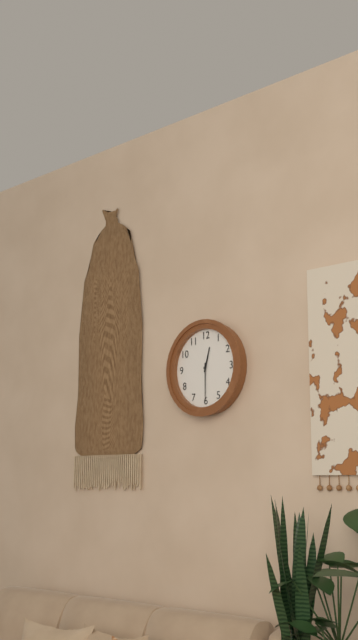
12:30
